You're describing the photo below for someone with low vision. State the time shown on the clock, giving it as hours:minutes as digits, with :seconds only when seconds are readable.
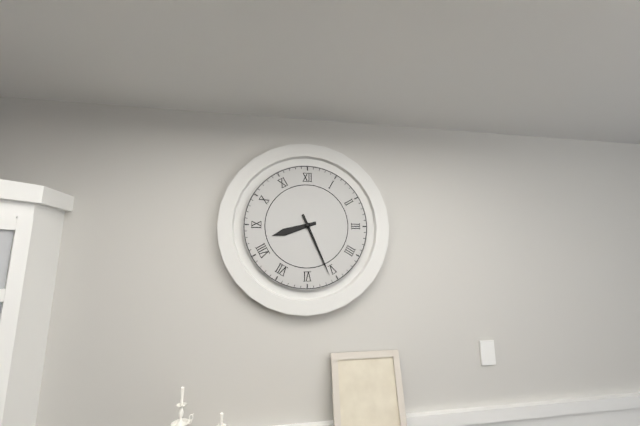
8:26
